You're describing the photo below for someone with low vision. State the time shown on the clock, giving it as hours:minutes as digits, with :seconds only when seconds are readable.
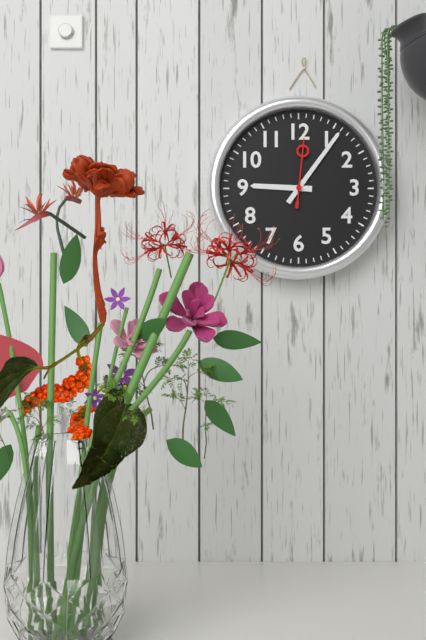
9:06:01
